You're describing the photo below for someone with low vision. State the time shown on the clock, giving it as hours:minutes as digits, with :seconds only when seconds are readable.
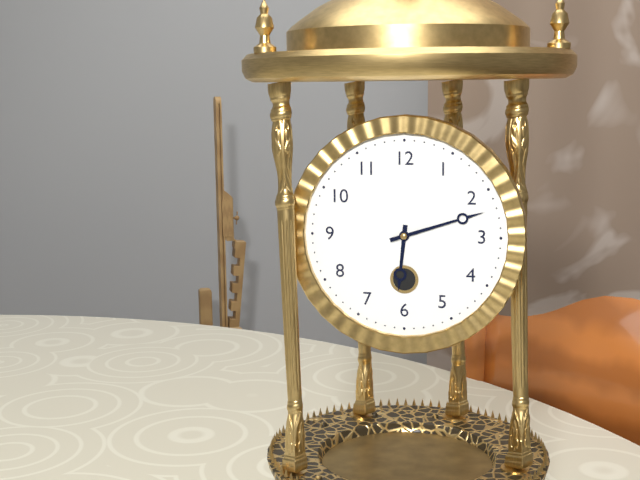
6:12
